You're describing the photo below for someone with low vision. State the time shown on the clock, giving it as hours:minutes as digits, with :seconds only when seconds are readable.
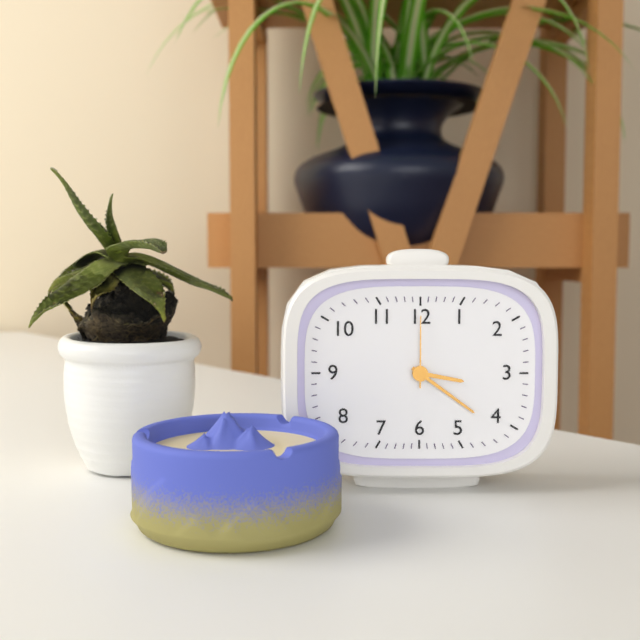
3:21:00
